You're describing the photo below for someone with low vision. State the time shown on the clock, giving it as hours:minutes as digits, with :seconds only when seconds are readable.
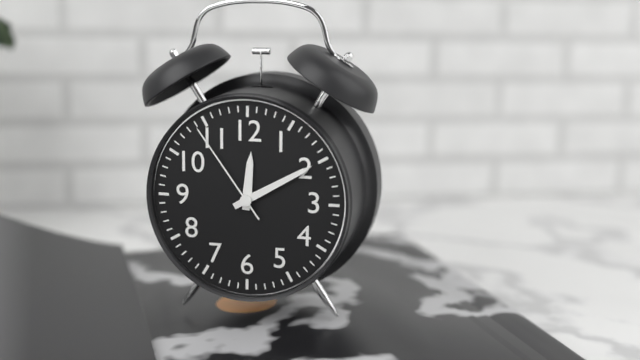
12:10:54
